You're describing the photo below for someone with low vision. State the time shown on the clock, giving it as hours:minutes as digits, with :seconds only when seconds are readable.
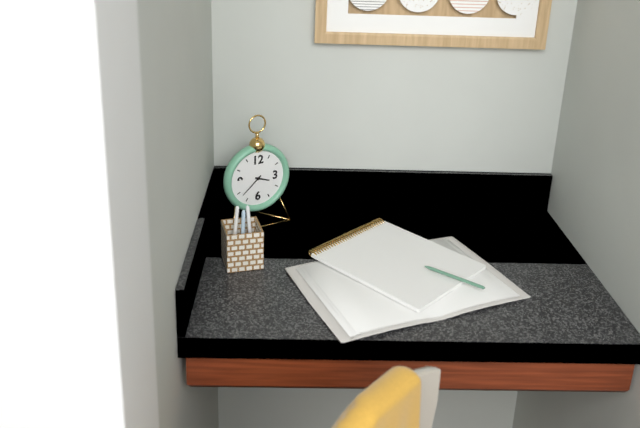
3:38
